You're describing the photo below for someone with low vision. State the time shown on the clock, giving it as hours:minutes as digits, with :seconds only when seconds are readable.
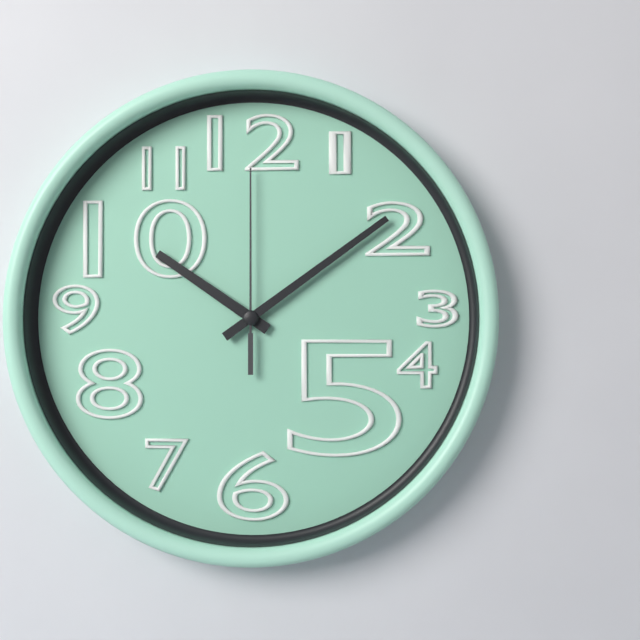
10:09:00
